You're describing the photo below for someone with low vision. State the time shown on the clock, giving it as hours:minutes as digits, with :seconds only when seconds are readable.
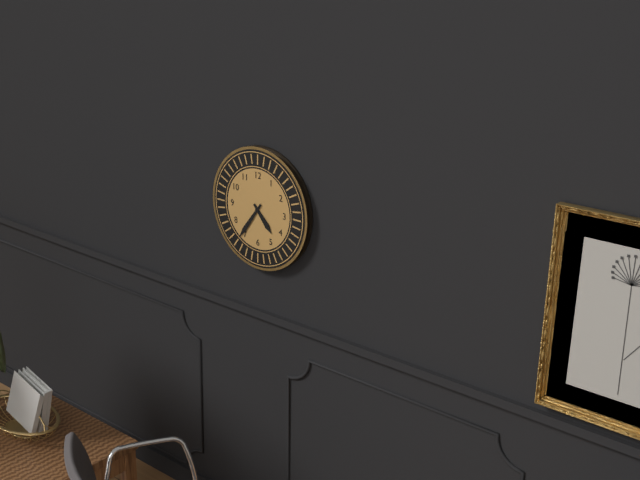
4:36
